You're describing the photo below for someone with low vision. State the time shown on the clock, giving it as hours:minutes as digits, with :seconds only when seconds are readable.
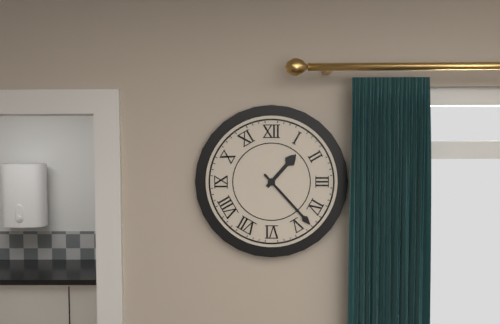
1:23
